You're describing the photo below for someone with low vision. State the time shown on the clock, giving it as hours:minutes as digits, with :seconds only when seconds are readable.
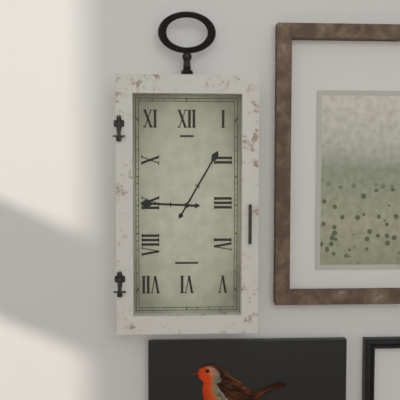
9:05
